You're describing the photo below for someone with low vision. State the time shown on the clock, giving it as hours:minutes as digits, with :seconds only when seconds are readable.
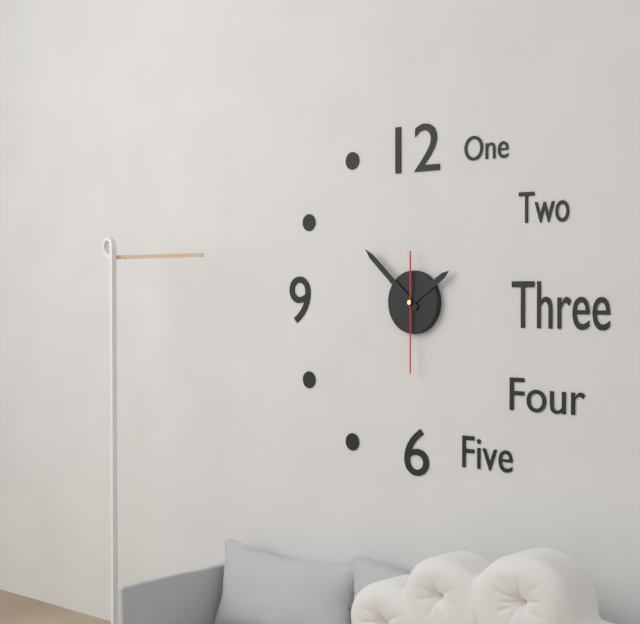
1:52:30
